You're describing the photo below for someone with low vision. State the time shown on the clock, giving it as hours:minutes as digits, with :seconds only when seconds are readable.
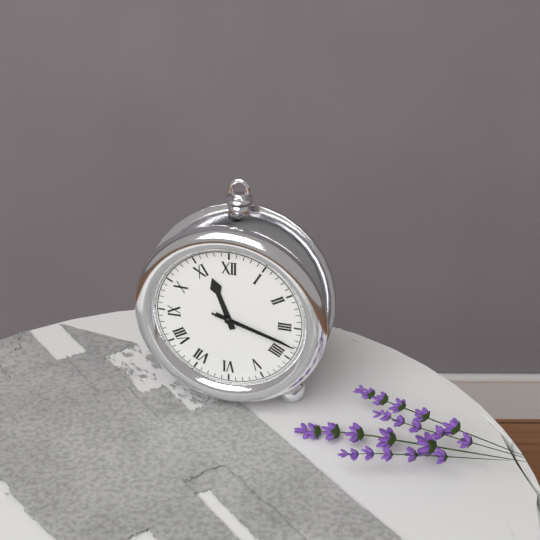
11:18:18
